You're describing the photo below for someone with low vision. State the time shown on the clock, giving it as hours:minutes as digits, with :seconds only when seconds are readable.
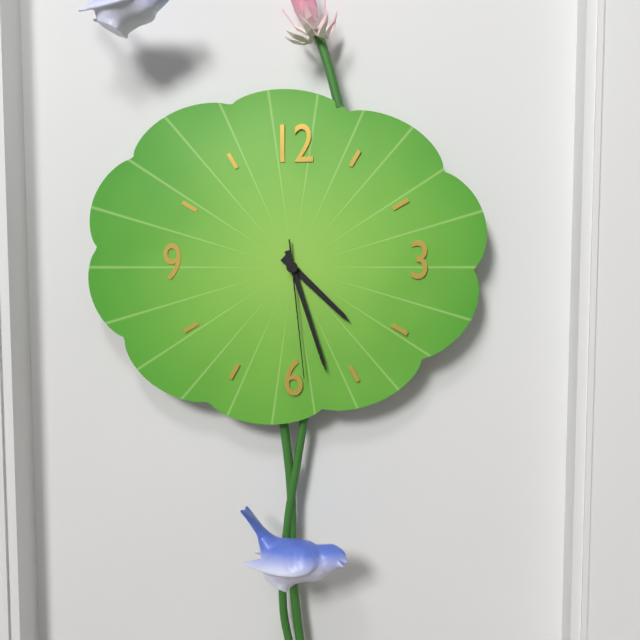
4:27:29
